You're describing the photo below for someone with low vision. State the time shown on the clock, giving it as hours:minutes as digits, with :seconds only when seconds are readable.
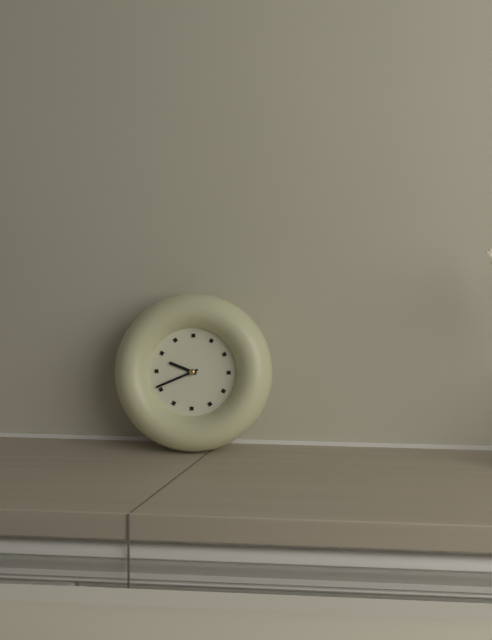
9:41
